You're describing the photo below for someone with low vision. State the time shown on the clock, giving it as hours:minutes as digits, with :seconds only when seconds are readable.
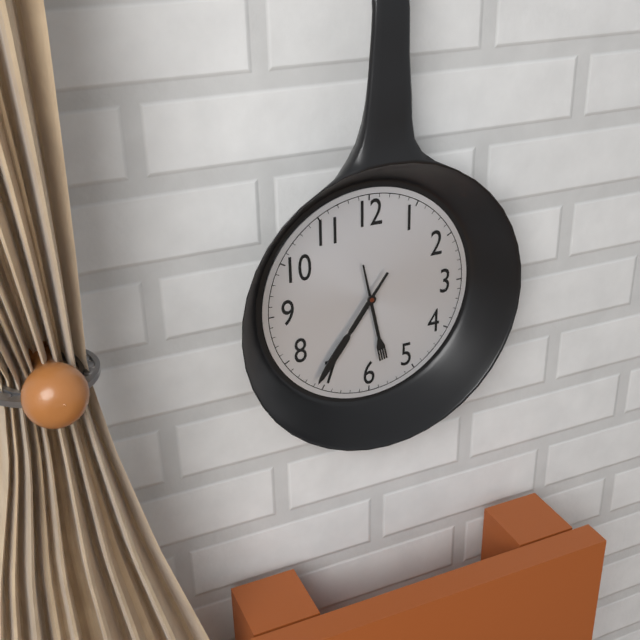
5:36
